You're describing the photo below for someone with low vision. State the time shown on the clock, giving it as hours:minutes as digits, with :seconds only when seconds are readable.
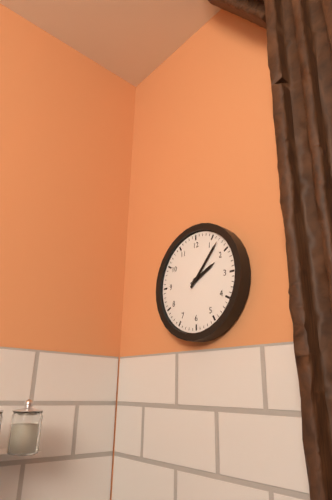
2:07
